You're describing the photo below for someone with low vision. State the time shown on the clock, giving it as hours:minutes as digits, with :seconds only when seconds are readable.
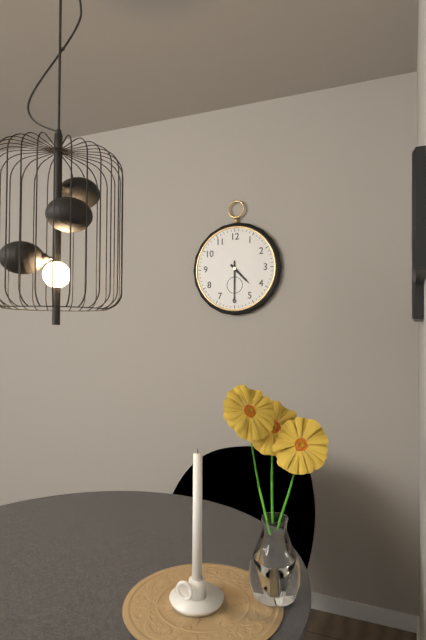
4:30
